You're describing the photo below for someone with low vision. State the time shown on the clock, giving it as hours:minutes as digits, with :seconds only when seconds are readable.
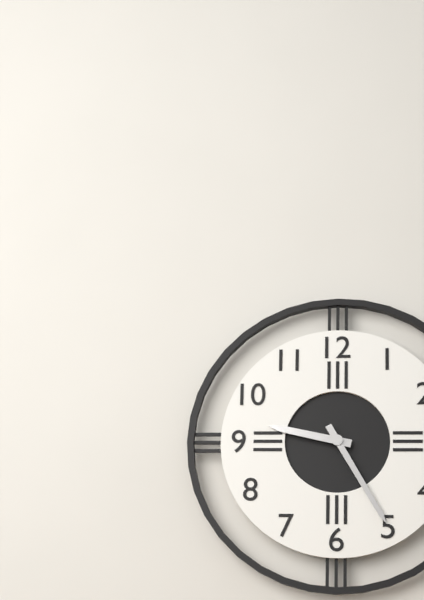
9:25
